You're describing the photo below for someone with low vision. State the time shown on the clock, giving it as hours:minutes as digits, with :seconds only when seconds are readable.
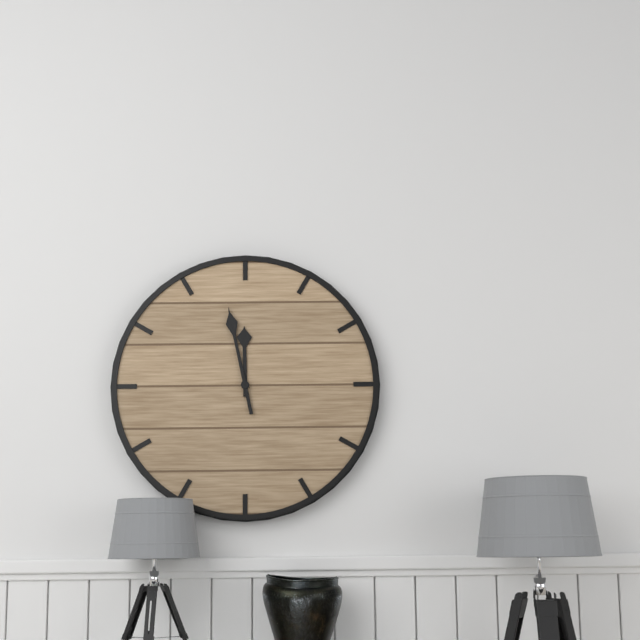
11:58
